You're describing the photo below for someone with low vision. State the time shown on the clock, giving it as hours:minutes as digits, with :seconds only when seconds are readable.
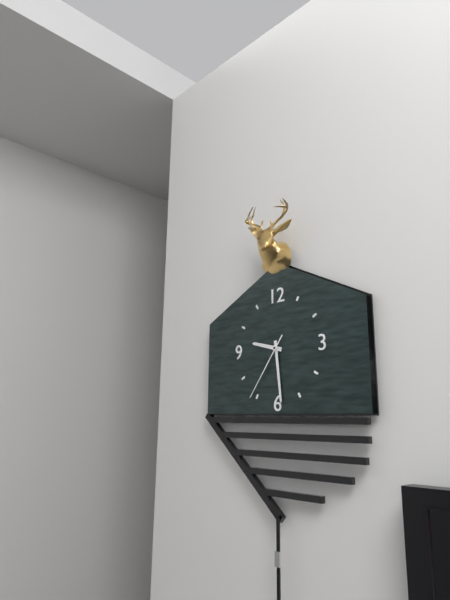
9:29:36
